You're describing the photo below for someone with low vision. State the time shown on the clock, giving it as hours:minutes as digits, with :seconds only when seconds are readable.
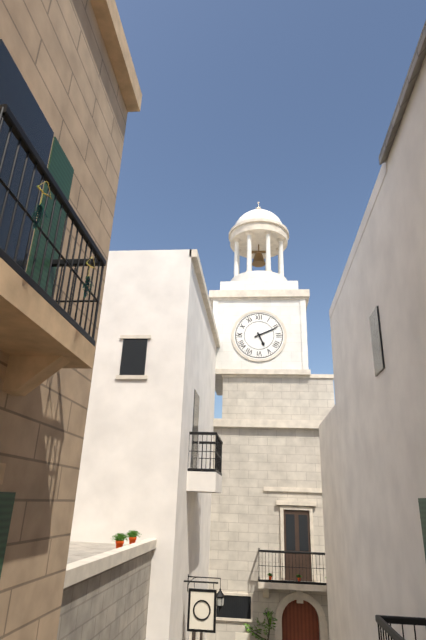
5:11
